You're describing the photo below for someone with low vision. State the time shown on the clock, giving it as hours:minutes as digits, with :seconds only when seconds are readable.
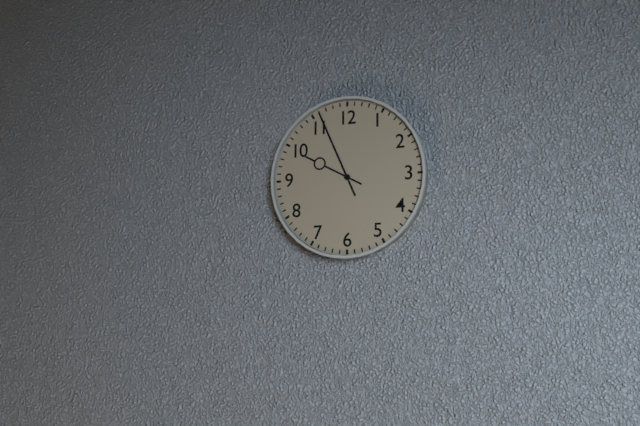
9:56
